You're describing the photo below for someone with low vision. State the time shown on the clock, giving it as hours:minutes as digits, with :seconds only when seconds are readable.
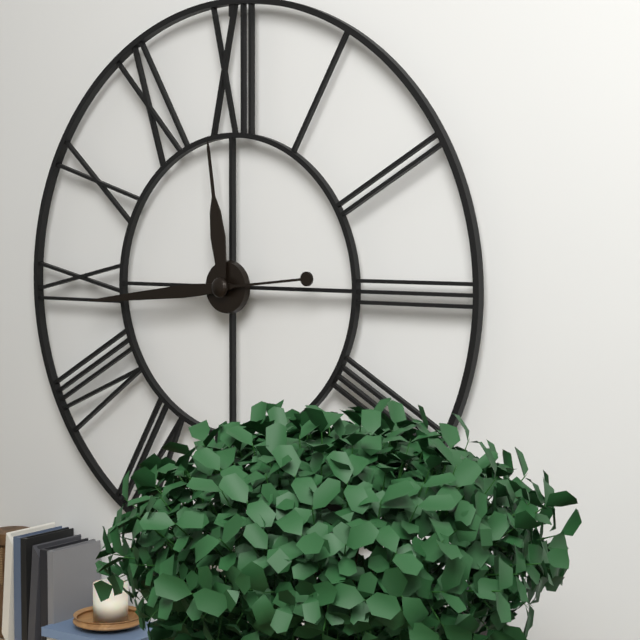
11:44
